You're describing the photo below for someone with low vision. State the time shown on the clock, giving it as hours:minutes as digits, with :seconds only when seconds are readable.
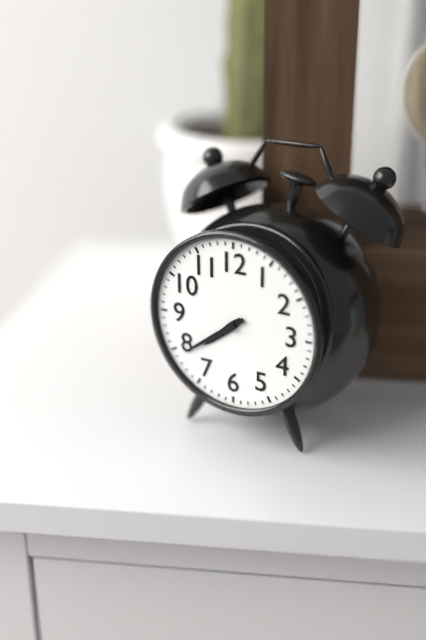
7:39
